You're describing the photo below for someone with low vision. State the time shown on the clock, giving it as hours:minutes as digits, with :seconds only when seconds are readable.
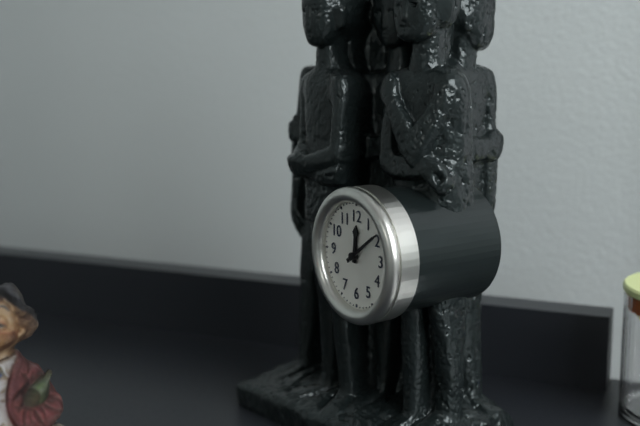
12:09
